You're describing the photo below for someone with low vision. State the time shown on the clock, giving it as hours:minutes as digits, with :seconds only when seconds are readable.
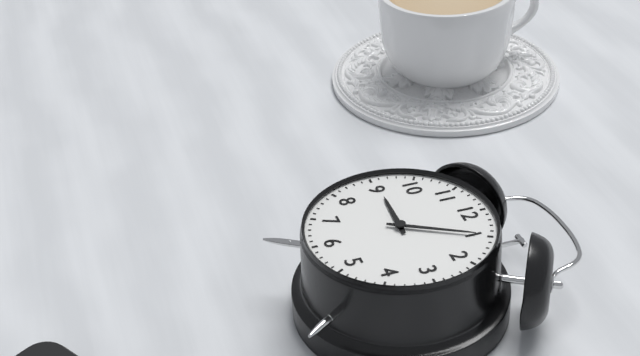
9:05
